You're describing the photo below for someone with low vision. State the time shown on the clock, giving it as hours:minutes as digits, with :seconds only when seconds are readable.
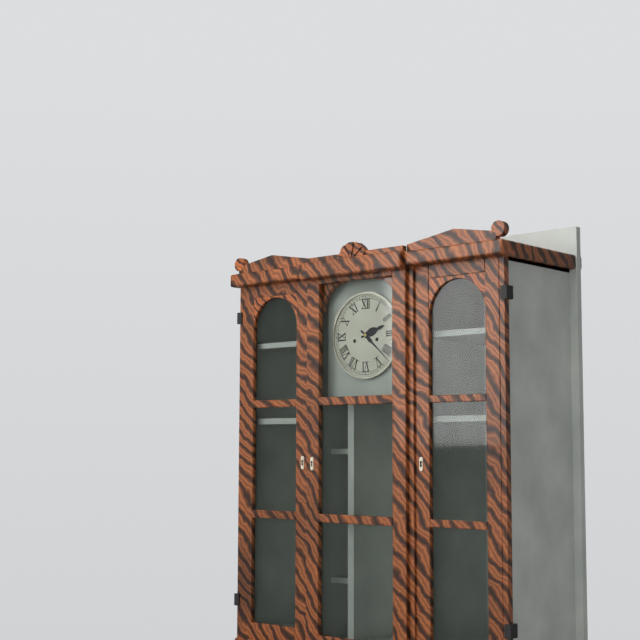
2:22
